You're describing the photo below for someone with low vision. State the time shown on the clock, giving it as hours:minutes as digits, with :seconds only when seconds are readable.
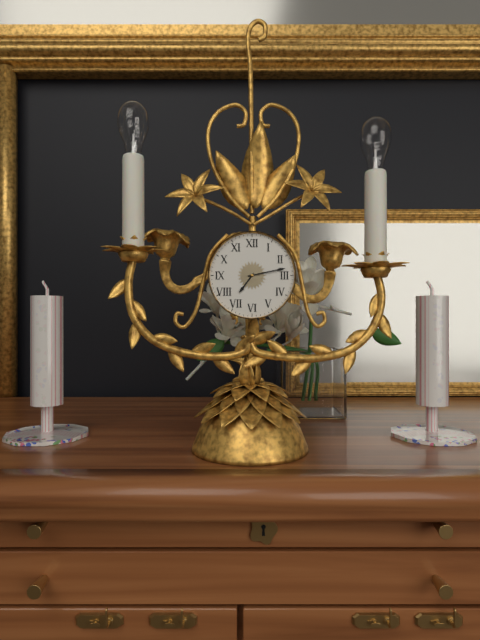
7:13
